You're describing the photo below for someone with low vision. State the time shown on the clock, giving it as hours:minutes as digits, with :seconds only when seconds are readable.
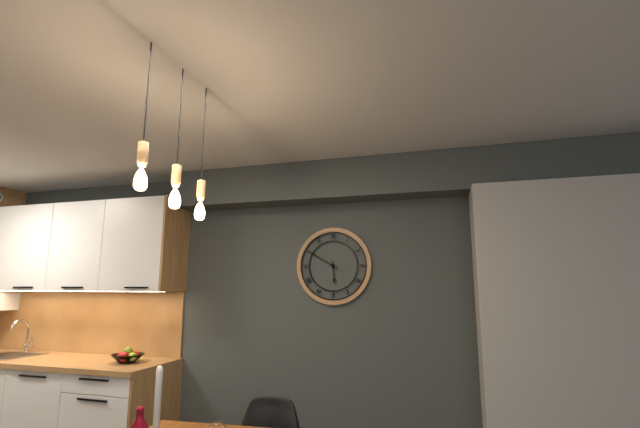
5:50
